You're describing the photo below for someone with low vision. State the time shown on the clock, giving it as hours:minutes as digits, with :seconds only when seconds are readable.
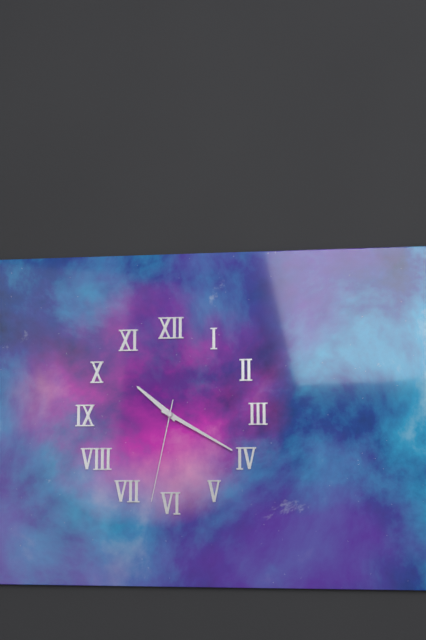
10:20:32
